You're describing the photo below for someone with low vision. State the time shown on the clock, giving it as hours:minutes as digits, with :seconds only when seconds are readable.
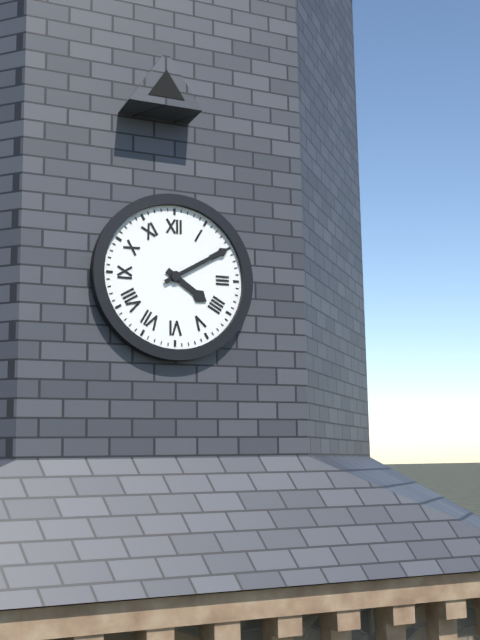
4:10
